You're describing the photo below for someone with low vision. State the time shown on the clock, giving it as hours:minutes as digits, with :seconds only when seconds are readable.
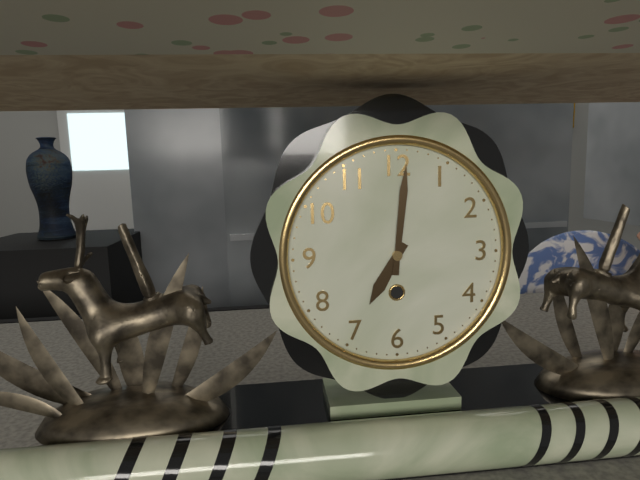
7:01
